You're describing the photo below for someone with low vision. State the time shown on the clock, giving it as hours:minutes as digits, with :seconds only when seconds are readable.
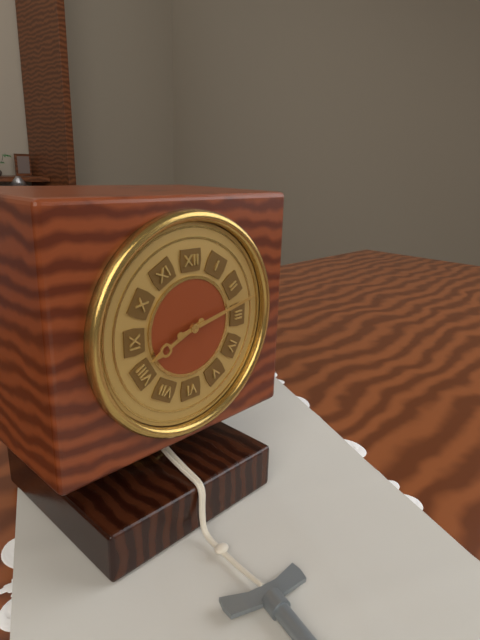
8:13
